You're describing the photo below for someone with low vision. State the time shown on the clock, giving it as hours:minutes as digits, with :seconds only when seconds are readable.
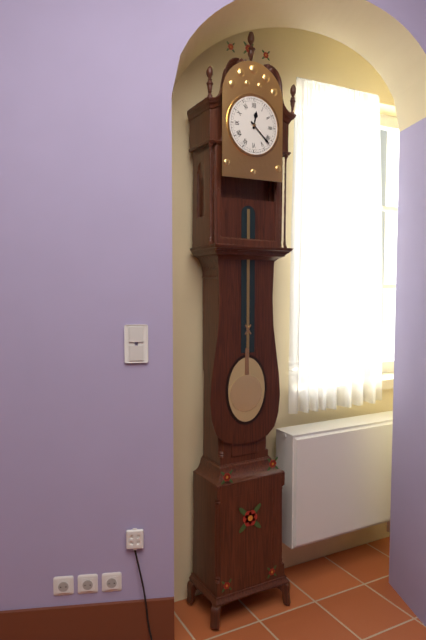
12:22
